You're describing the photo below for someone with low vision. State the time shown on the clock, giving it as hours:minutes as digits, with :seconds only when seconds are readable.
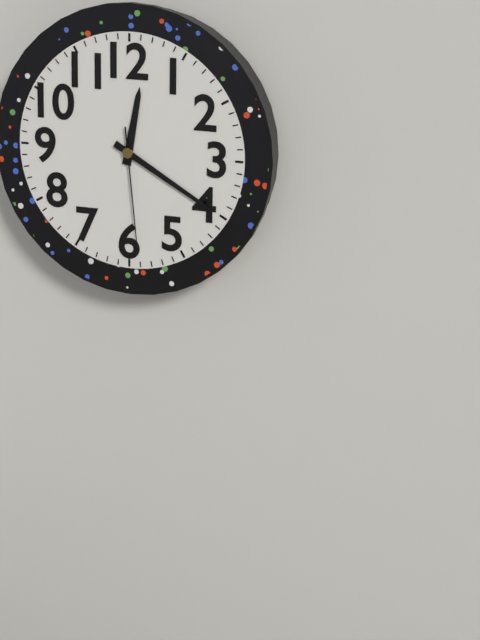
12:20:29
